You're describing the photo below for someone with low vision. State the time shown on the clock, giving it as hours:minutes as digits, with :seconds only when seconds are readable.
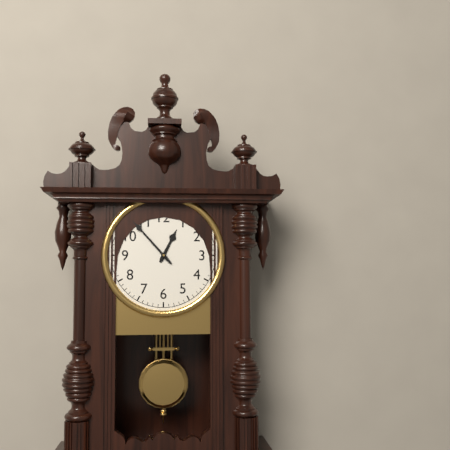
12:53
